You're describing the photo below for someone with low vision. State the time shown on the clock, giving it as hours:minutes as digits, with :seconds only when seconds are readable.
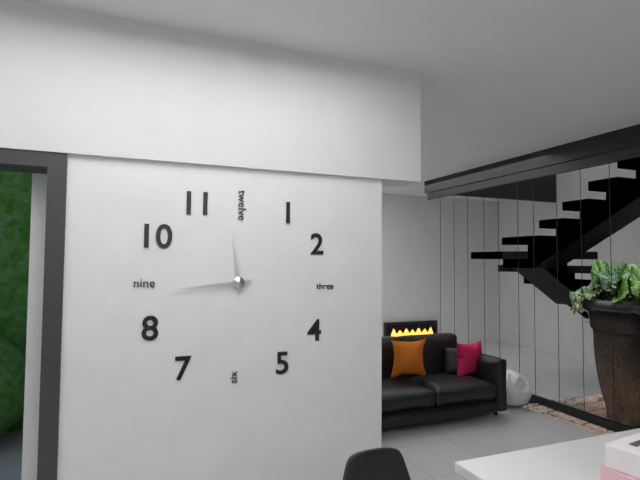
11:44
